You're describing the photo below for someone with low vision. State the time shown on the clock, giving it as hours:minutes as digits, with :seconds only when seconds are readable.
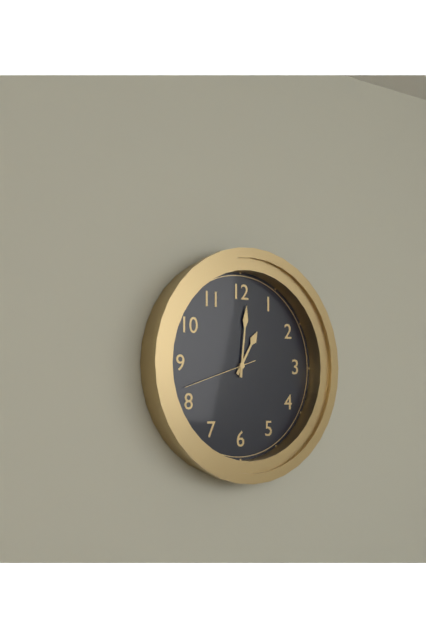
1:01:42
